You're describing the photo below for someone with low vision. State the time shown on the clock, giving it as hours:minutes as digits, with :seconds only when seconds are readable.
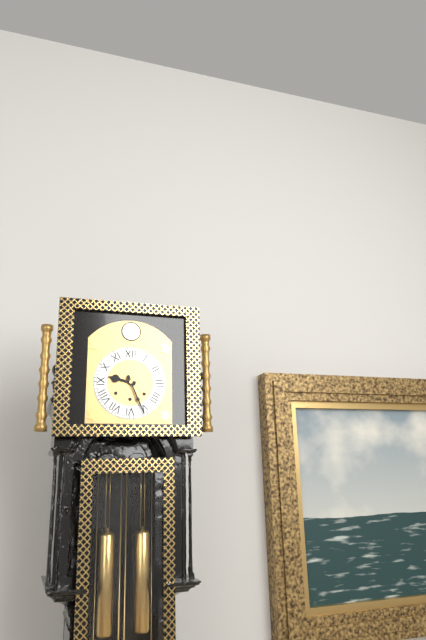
9:26
